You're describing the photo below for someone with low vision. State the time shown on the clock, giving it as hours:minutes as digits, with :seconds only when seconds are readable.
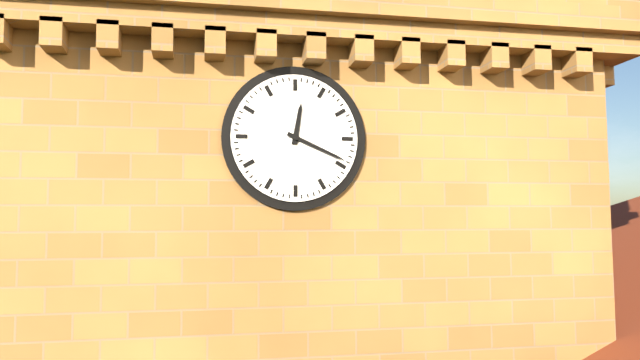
12:19
